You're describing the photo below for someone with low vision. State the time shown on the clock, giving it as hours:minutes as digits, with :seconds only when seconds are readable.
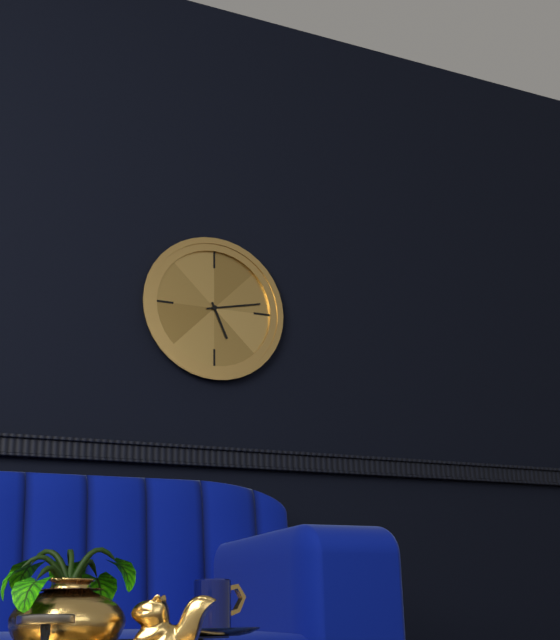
5:13
